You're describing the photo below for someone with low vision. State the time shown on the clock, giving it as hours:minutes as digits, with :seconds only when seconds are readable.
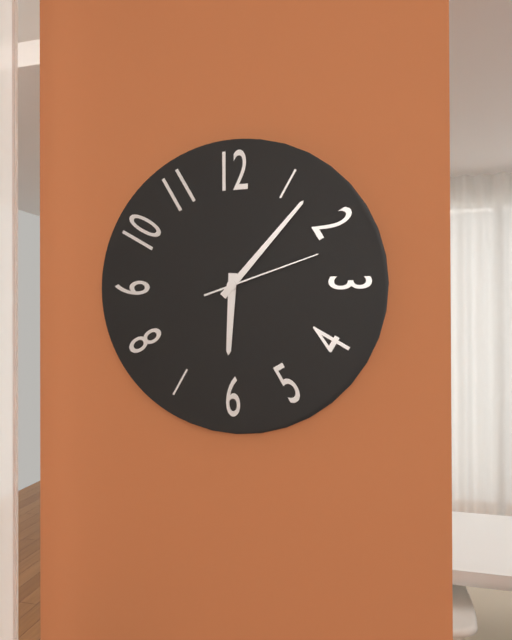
6:07:12
